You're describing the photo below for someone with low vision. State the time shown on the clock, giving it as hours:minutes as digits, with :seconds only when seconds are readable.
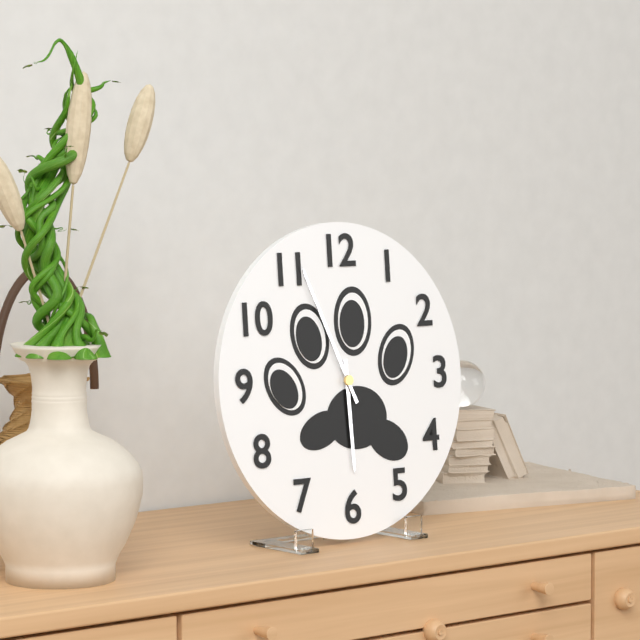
5:56
